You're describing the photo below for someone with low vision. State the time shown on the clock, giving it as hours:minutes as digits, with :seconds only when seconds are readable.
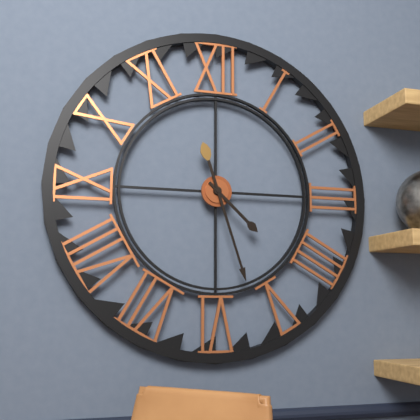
4:27
